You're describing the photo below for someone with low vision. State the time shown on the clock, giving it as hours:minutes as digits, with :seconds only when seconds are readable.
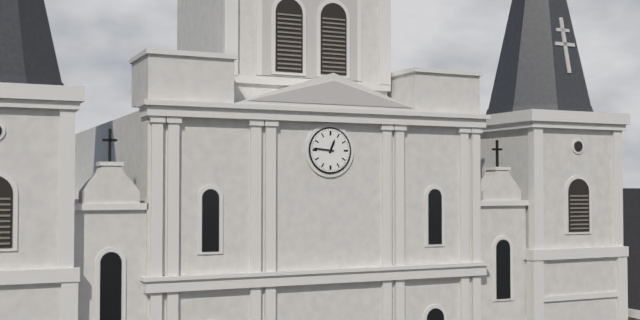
12:46
